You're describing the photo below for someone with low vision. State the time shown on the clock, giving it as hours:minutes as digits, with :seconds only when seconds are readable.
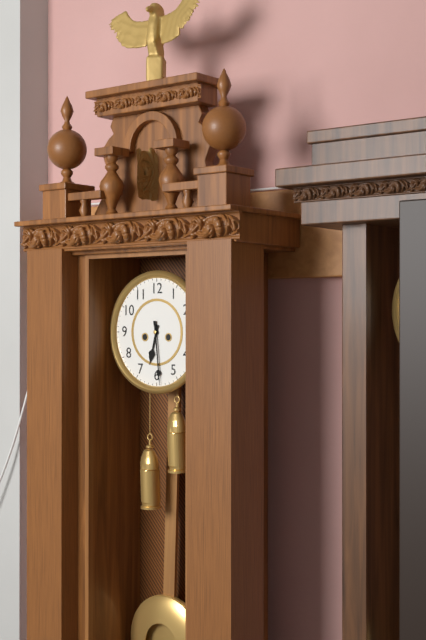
6:29
